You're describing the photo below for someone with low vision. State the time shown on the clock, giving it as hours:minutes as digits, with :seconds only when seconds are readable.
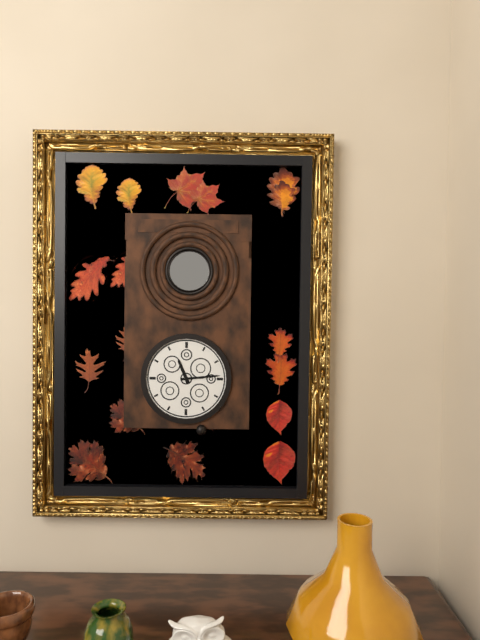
11:14
